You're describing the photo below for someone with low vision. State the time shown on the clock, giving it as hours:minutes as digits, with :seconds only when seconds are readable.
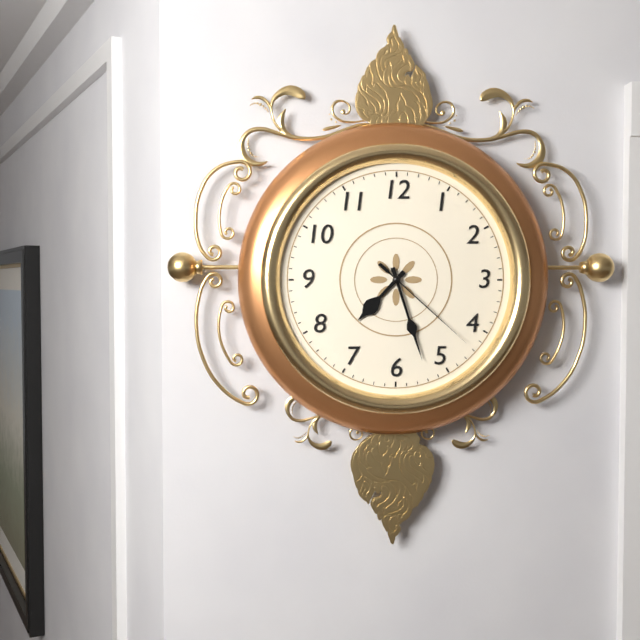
7:27:22
